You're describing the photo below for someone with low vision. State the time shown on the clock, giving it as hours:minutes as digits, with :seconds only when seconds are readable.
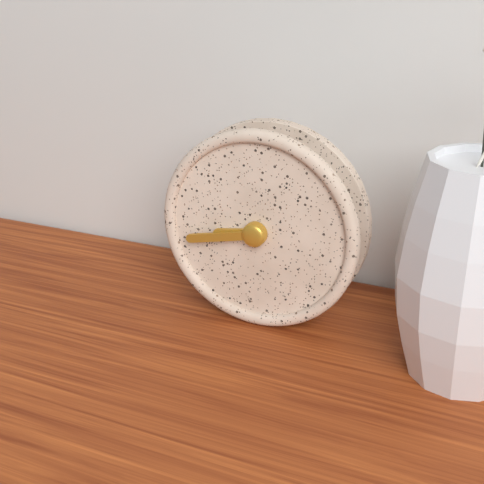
8:43
